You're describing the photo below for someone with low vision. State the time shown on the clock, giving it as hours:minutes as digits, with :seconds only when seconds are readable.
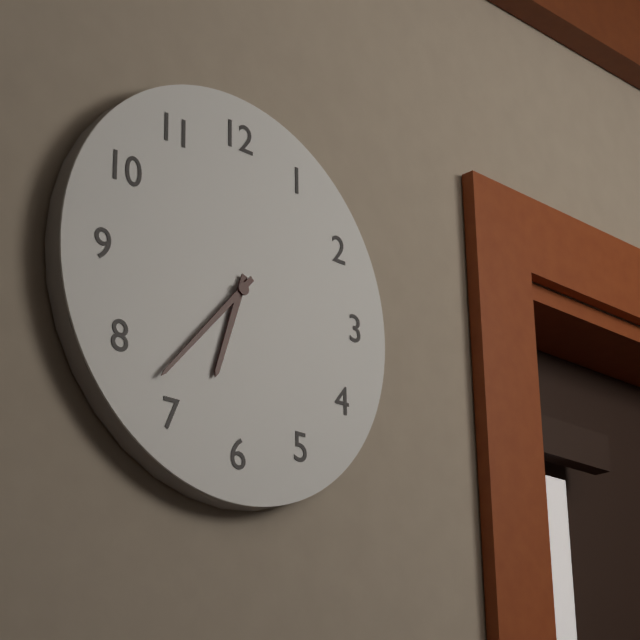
6:37
